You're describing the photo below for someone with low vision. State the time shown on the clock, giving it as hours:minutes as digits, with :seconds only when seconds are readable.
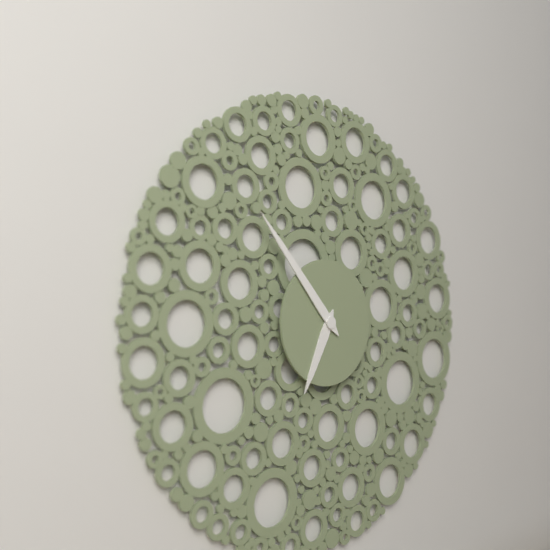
6:53
